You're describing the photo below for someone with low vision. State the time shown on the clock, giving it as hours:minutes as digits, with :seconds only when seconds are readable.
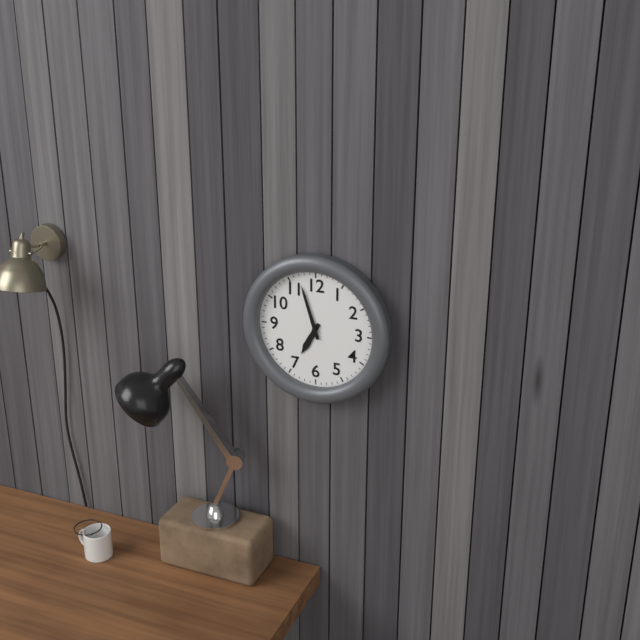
6:57
